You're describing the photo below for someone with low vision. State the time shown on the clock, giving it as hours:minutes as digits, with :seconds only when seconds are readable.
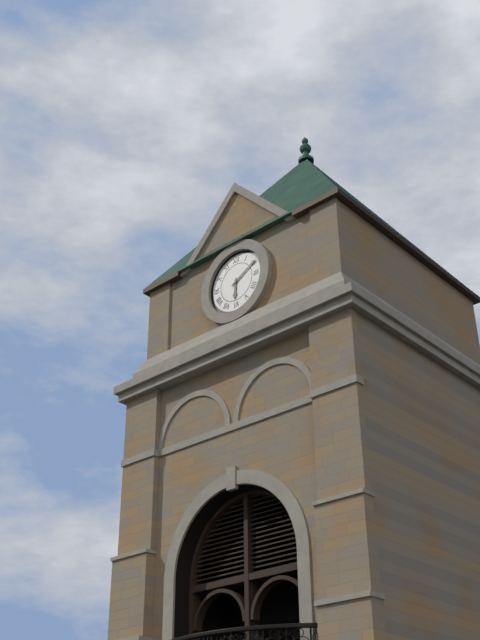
6:10
